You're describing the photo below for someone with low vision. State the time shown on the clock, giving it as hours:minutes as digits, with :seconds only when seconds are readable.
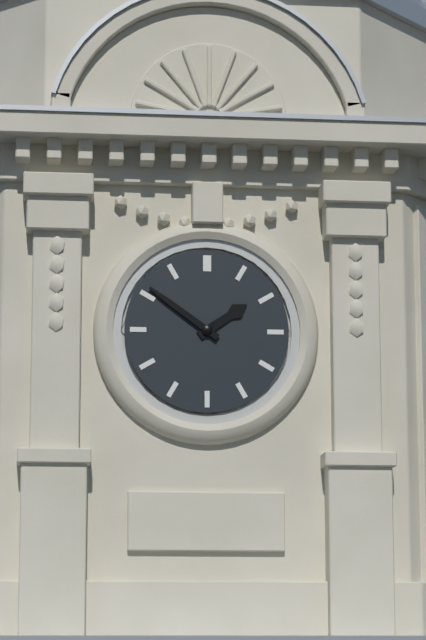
1:51
